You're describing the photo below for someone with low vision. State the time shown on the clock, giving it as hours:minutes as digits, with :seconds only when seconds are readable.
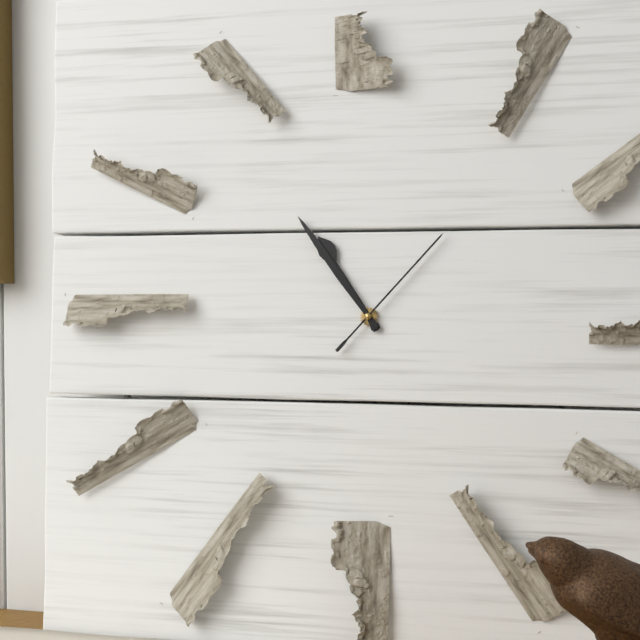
10:54:07
